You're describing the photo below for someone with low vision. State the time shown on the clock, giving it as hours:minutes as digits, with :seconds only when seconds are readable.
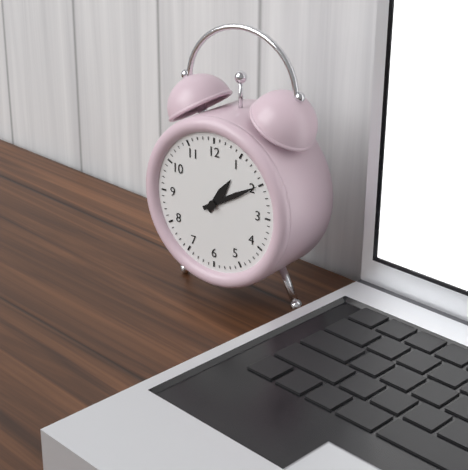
1:10
